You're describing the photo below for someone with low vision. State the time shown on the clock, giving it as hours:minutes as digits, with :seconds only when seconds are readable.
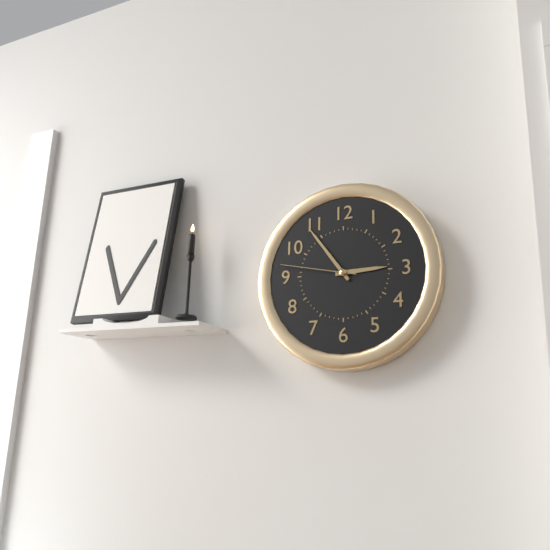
2:54:47
